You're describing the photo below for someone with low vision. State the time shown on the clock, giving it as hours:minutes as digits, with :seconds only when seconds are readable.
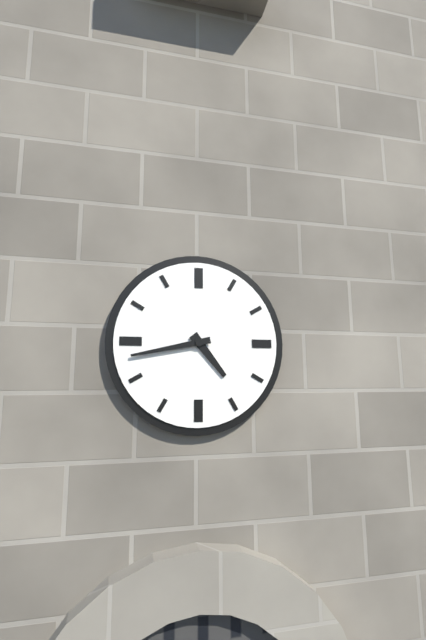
4:43
